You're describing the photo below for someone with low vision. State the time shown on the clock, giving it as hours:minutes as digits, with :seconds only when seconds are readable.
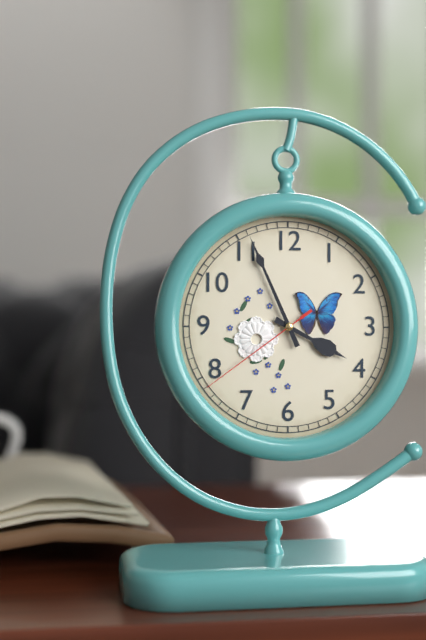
3:56:39
